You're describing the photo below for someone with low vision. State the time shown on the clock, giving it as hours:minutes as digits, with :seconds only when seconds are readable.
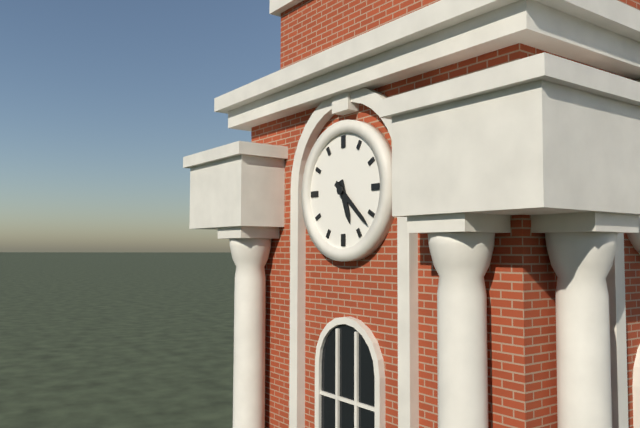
5:22
